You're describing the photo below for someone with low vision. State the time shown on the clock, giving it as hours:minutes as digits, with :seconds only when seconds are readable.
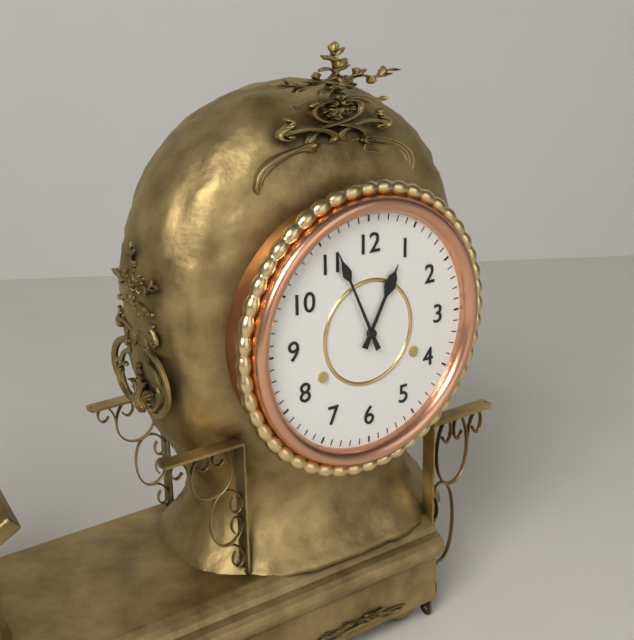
12:56
